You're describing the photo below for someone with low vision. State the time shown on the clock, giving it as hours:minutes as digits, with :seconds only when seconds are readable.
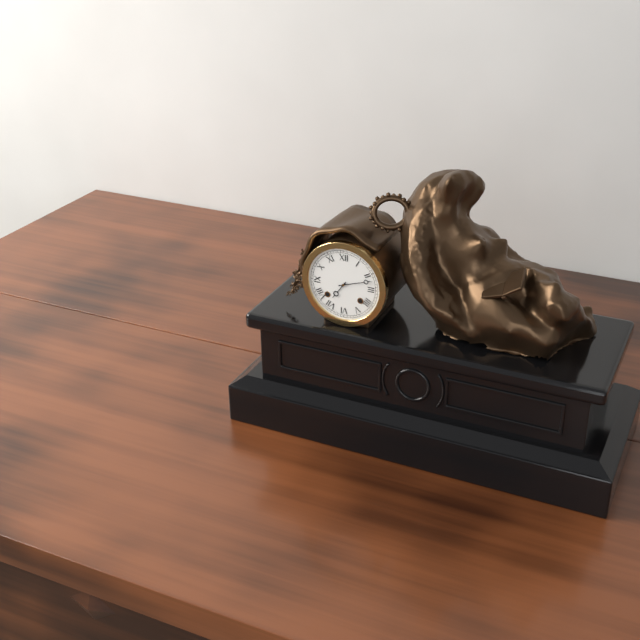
7:12
